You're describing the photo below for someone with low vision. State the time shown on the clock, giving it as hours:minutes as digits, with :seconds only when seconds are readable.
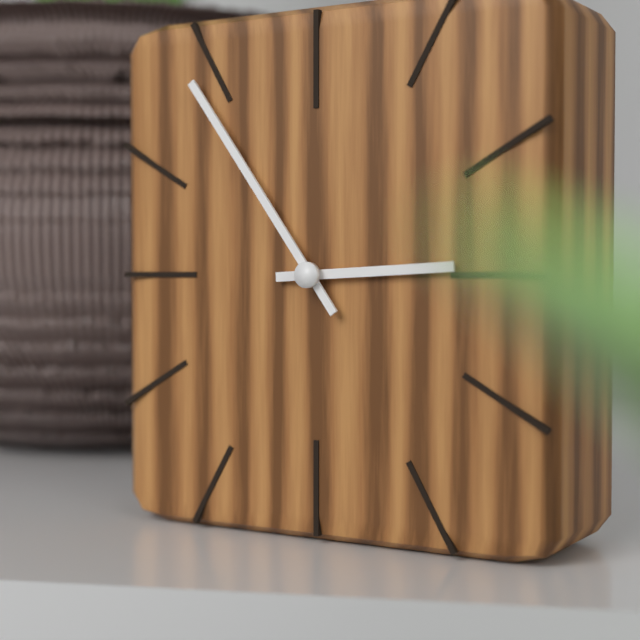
2:54
